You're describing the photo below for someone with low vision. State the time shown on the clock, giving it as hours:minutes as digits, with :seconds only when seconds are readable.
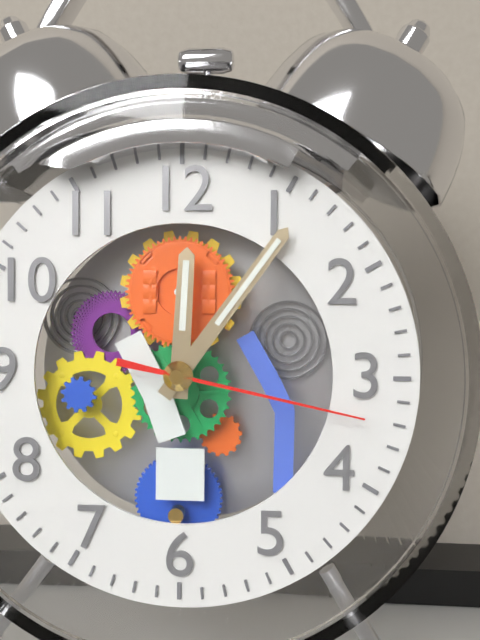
12:06:17
